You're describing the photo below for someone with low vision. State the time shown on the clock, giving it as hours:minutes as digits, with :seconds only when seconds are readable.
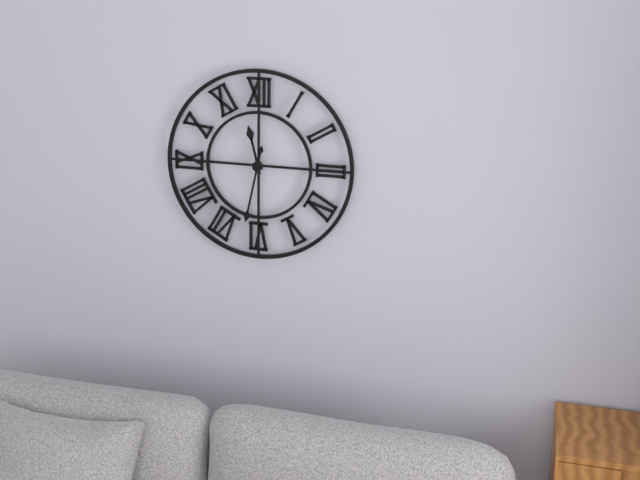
11:32
